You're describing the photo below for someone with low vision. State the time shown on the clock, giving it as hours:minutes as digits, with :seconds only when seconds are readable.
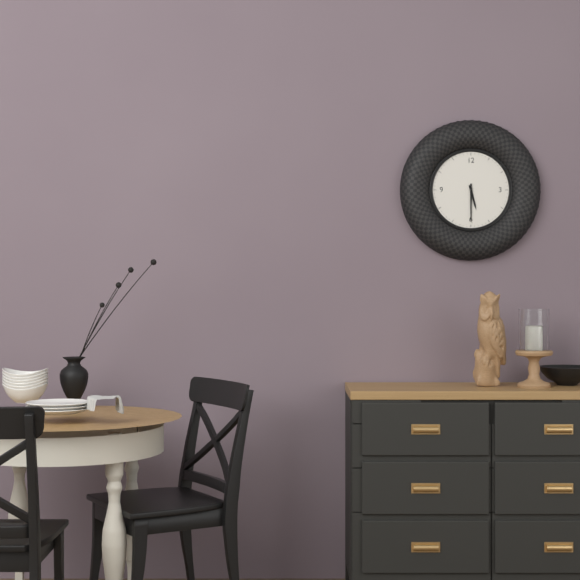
5:30
